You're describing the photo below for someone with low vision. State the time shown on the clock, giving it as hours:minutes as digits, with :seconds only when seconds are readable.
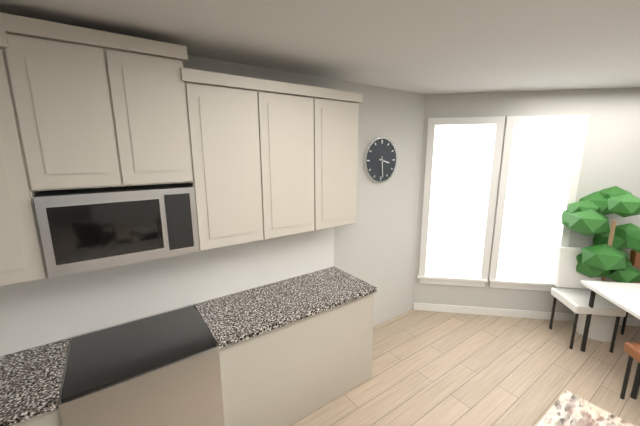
3:29
